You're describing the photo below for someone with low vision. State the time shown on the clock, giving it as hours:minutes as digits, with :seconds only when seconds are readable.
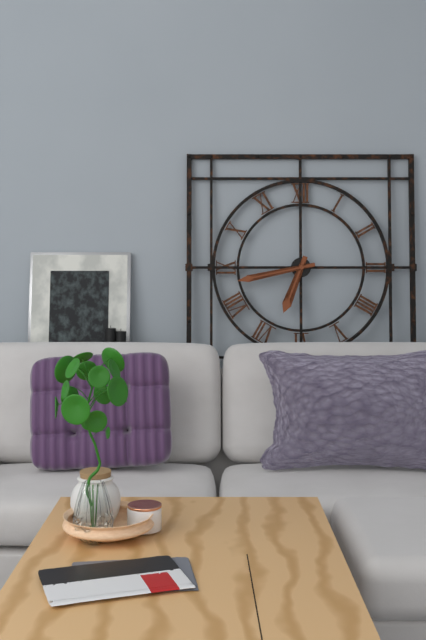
6:43
